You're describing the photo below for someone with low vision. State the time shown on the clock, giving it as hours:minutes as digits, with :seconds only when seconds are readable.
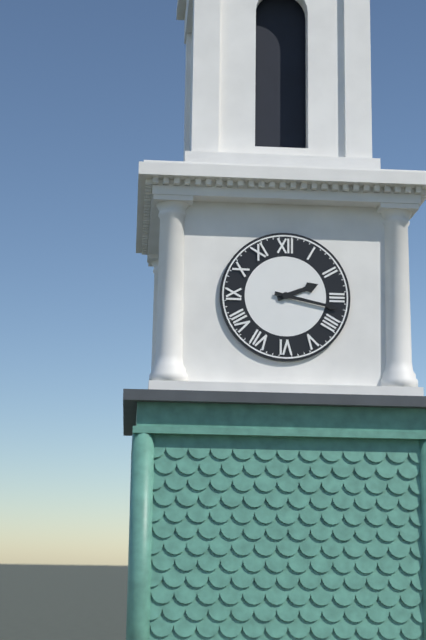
2:17
